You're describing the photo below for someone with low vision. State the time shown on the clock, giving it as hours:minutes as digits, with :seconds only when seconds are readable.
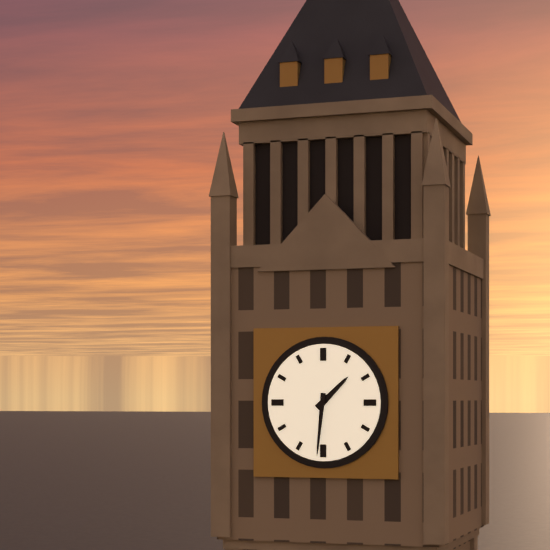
1:31
